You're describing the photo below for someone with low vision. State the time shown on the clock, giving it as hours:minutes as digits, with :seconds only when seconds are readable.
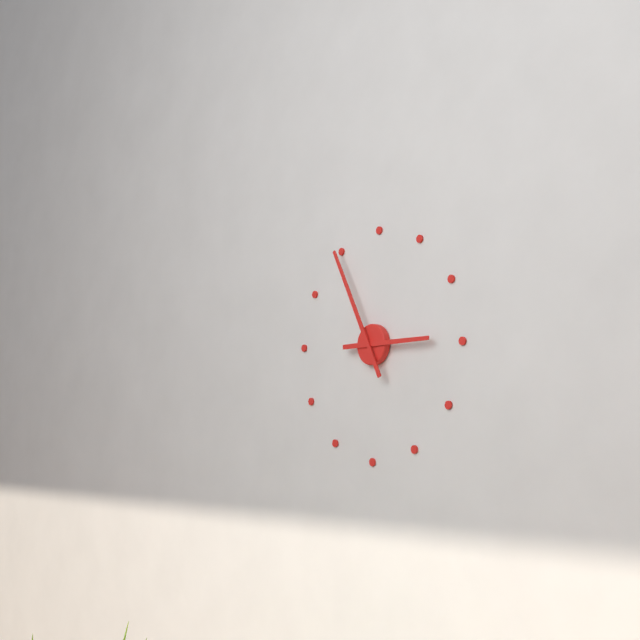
2:55
